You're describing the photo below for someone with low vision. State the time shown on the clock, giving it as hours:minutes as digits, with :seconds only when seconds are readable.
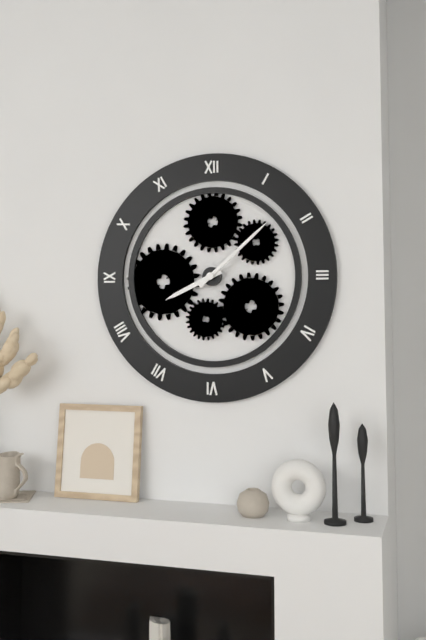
8:08
